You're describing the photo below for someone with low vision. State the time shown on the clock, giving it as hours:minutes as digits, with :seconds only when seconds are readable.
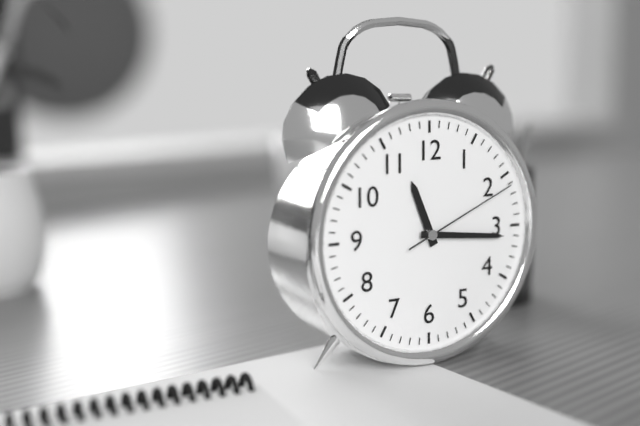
11:16:11
